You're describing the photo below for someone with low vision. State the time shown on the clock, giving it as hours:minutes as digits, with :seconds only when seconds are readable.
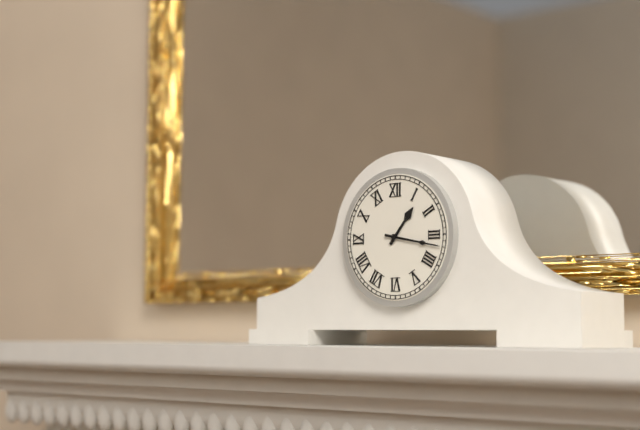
1:17
